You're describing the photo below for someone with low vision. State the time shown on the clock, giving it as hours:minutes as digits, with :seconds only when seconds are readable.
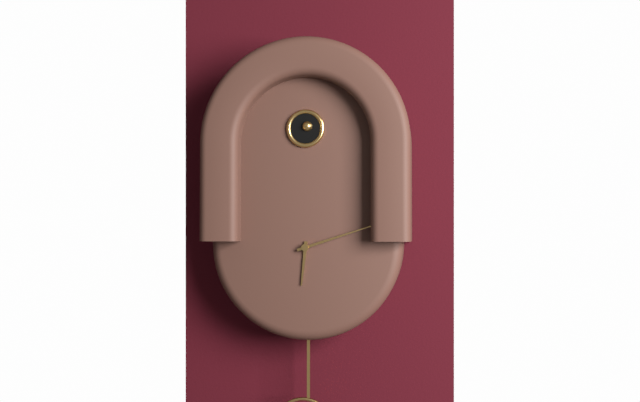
6:12
